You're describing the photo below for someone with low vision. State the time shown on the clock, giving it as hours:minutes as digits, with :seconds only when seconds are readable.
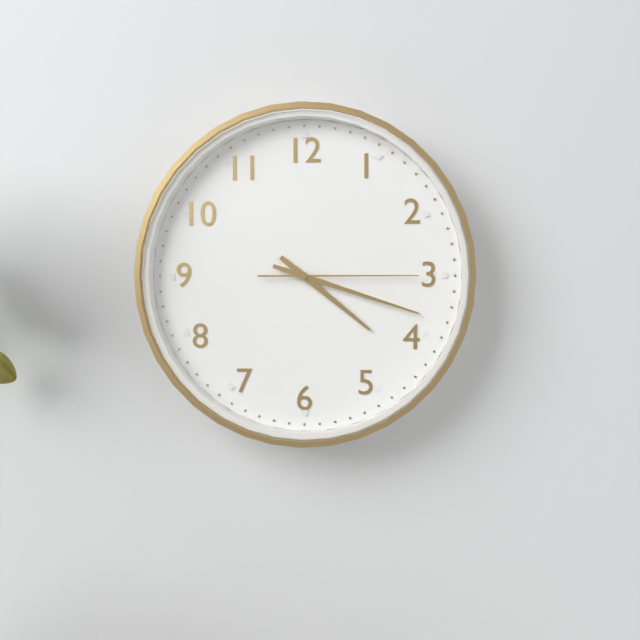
4:18:15
